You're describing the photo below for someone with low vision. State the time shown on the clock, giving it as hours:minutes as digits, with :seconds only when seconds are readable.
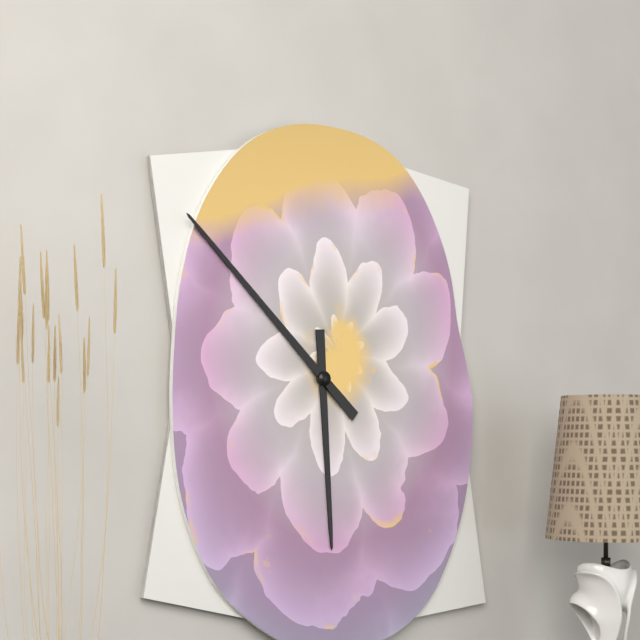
5:52
